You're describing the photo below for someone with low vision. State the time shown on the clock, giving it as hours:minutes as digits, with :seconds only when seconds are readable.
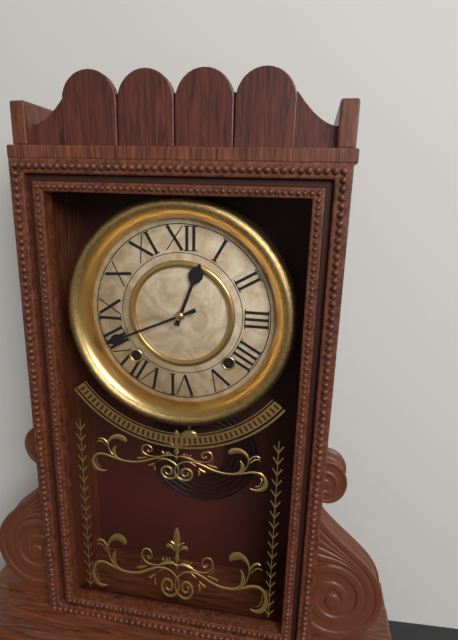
12:41
